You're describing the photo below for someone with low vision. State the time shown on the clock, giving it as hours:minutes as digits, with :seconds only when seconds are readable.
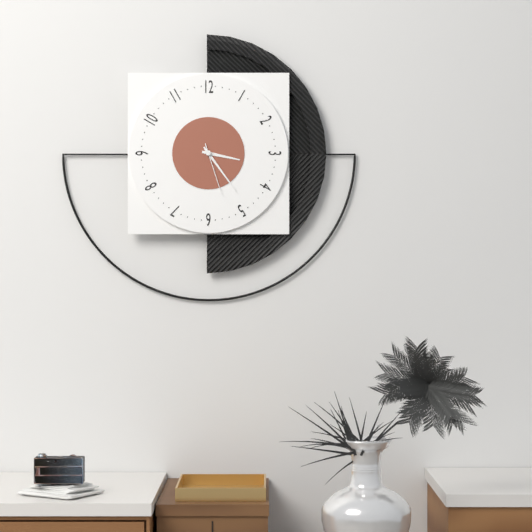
3:24:27
